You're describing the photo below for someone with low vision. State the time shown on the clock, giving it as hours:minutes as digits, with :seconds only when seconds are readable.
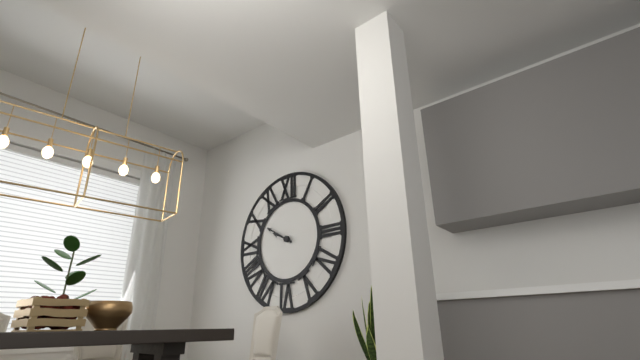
9:50
